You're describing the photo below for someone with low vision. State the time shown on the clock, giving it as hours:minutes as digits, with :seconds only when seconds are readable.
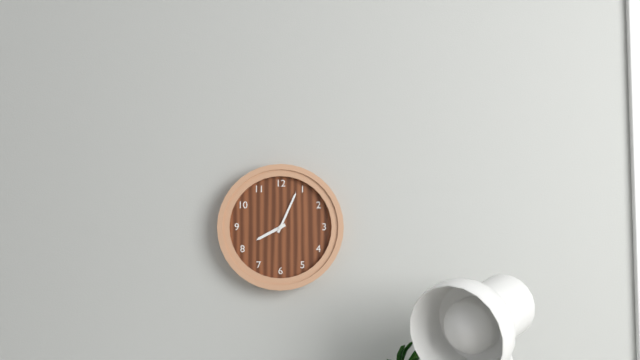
8:04
